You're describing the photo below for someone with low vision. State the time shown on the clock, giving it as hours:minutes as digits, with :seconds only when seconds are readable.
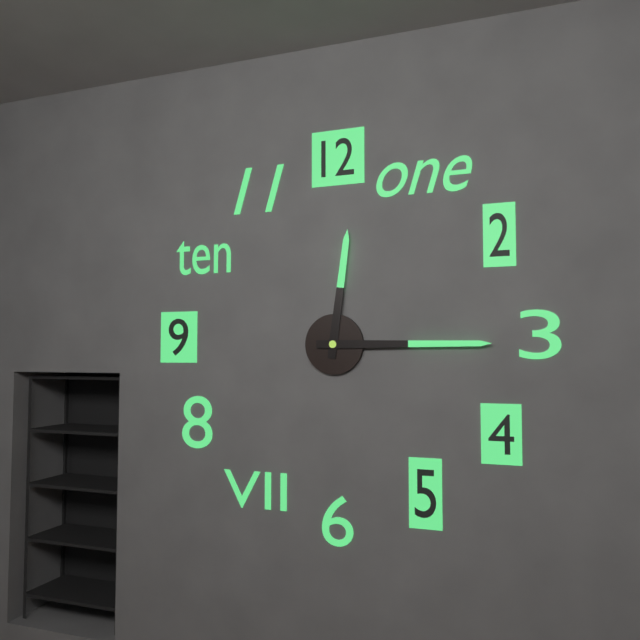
12:15
